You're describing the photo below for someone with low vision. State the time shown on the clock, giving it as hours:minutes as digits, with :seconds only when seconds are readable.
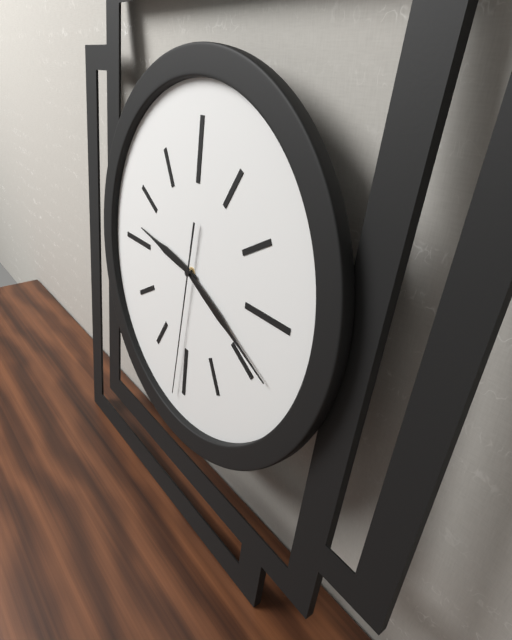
9:19:31
